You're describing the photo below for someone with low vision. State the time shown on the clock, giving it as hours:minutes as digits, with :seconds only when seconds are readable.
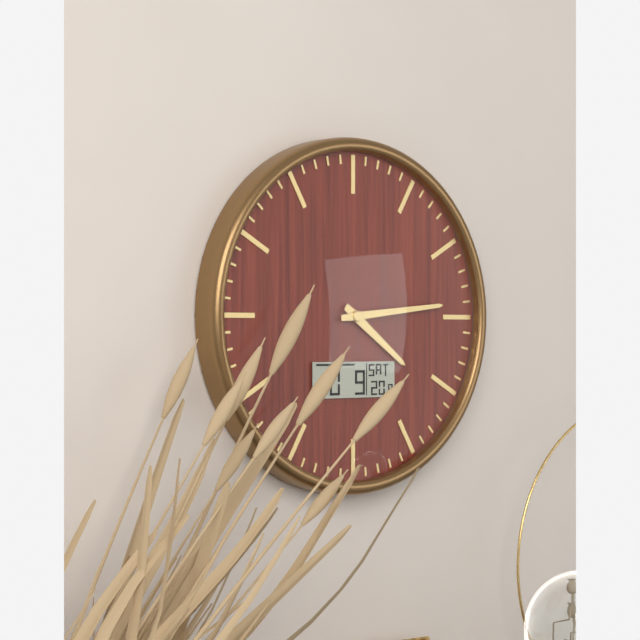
4:14
